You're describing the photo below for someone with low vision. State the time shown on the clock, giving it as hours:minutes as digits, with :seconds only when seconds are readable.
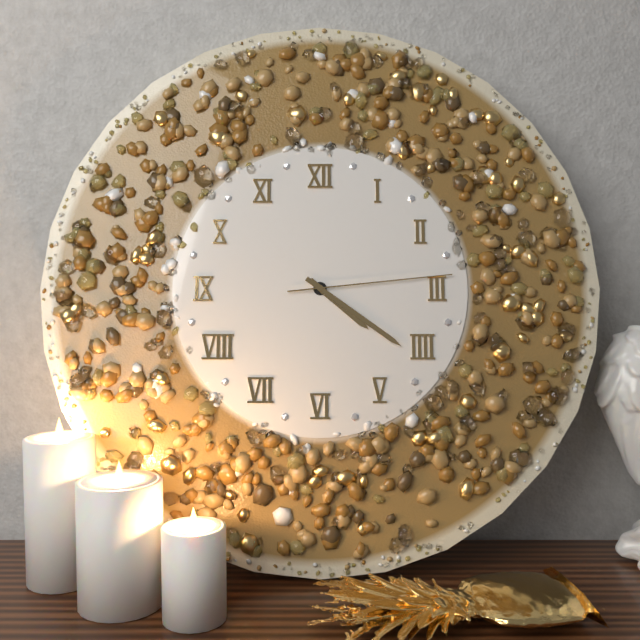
4:21:14
